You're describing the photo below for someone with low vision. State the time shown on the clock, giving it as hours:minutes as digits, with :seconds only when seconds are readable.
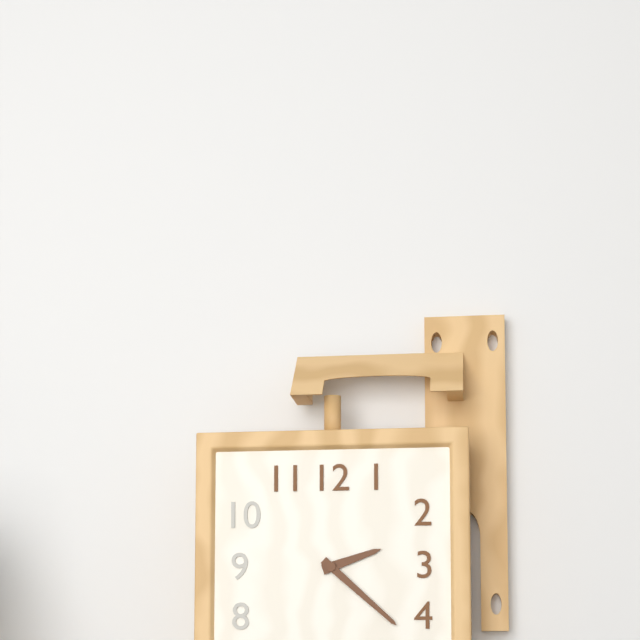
2:22
